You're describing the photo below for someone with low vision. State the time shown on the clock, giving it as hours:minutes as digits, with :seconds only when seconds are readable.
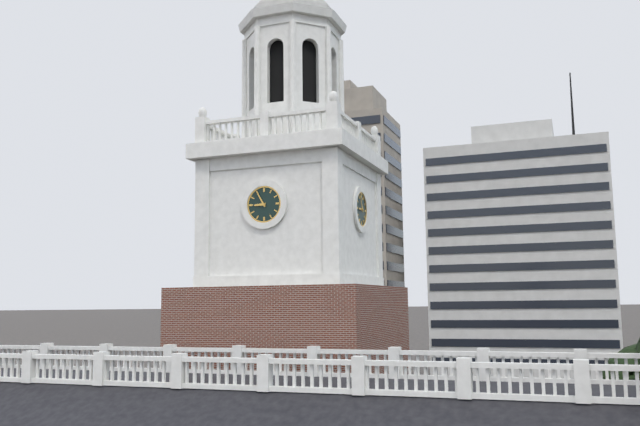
8:55
